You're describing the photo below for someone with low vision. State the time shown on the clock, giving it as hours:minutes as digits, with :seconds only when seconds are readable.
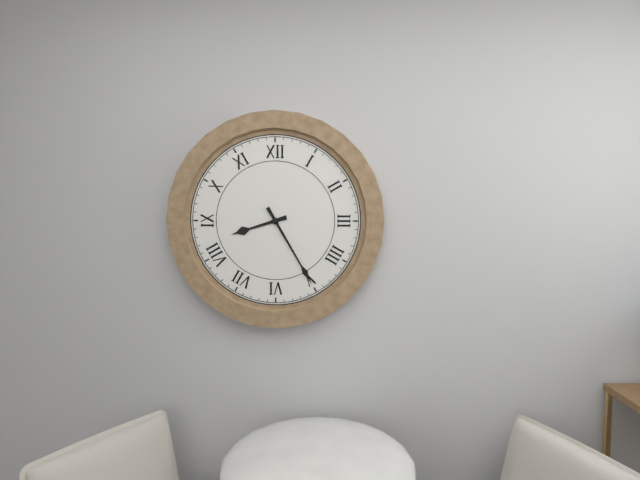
8:25
